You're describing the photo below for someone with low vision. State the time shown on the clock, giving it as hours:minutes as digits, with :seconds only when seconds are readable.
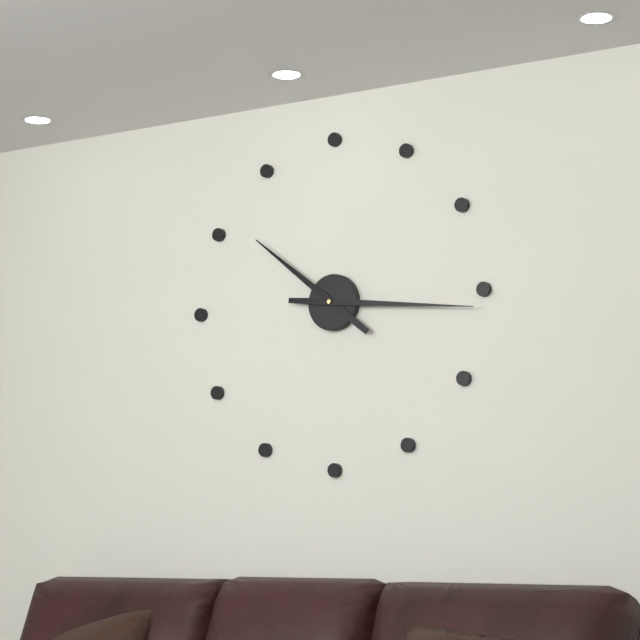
10:16
